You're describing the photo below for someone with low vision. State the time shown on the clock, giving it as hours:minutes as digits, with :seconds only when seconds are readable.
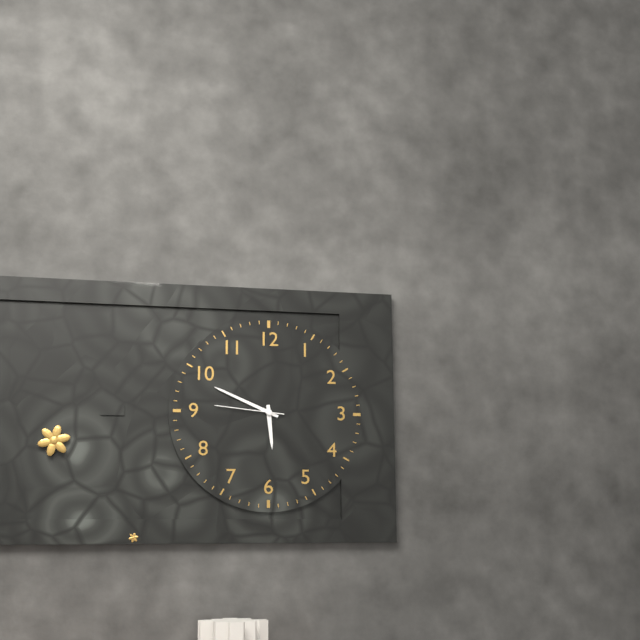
5:49:46
